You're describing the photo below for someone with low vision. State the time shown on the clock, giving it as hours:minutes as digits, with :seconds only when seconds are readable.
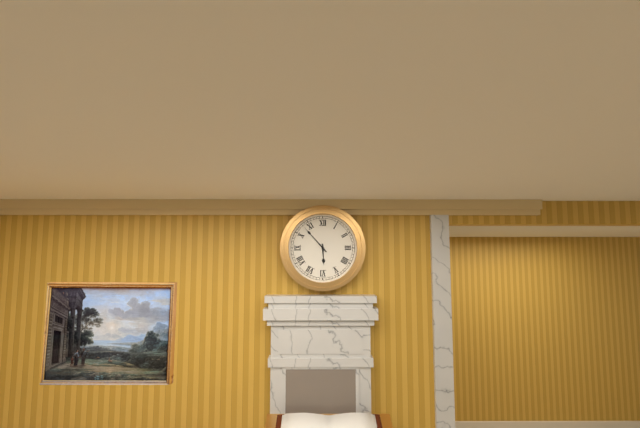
5:53
